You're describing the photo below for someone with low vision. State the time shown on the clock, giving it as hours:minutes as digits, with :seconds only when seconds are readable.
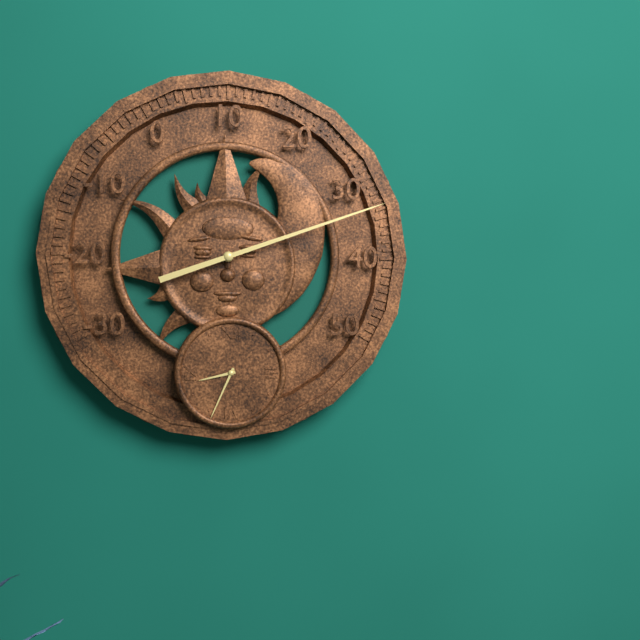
8:34
